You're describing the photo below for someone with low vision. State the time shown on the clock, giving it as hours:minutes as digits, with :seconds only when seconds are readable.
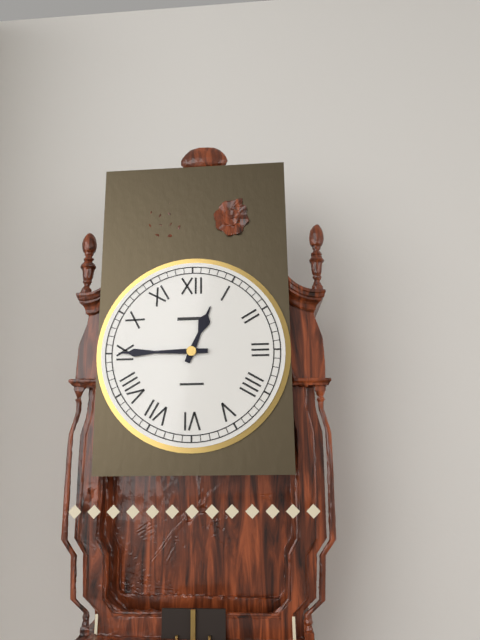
12:45
